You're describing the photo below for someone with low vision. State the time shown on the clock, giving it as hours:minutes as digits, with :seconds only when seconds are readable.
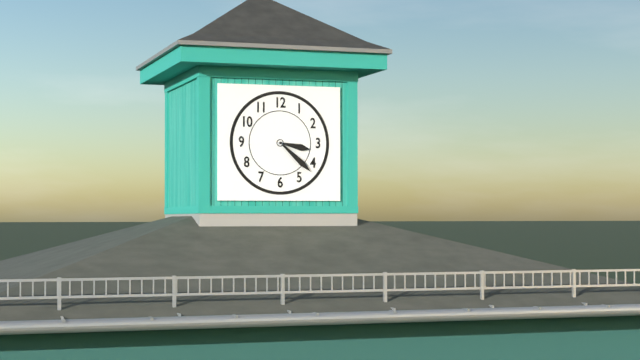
3:22
